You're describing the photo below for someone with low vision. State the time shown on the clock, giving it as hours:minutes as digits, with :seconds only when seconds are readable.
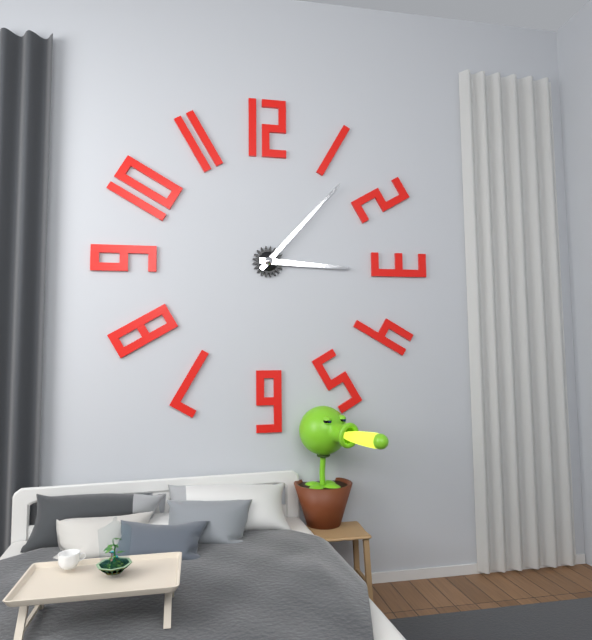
3:07
